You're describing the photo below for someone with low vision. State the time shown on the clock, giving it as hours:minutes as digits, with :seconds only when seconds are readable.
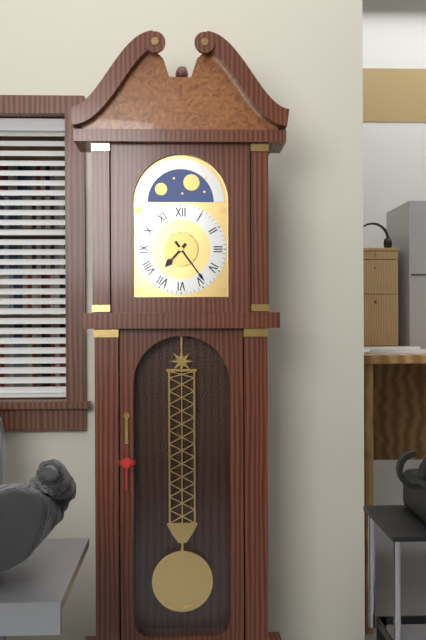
7:24
